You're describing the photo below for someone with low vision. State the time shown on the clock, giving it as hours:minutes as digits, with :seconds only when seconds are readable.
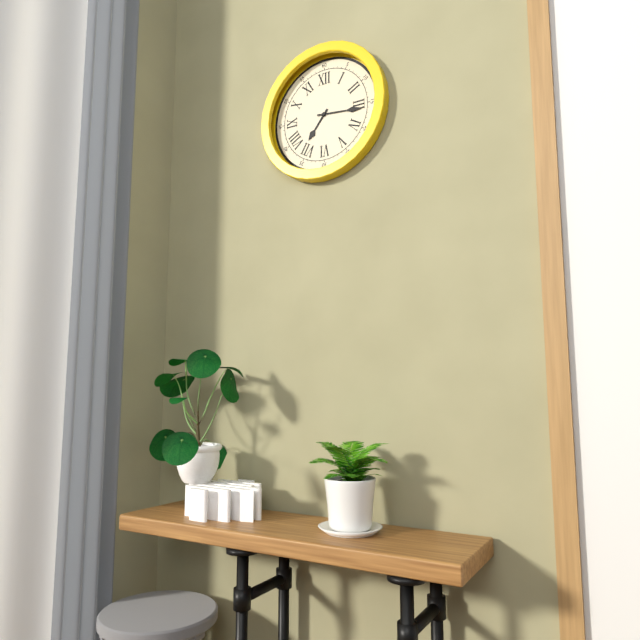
7:16
